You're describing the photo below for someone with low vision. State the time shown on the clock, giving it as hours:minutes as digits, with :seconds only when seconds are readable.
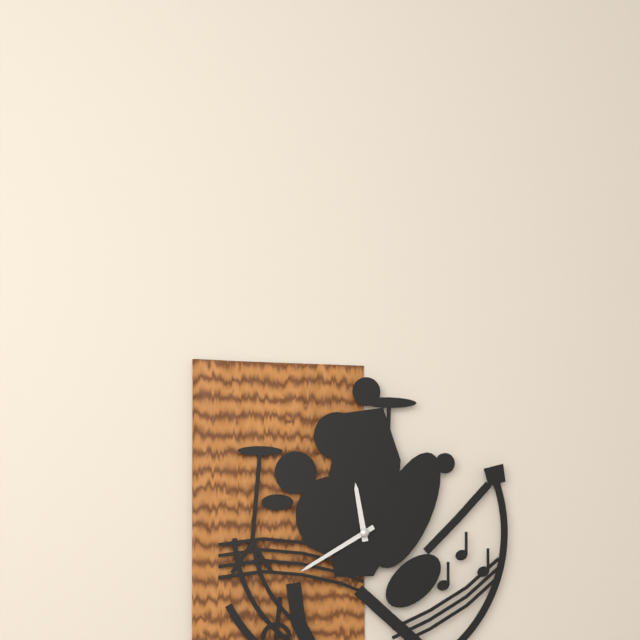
11:40
